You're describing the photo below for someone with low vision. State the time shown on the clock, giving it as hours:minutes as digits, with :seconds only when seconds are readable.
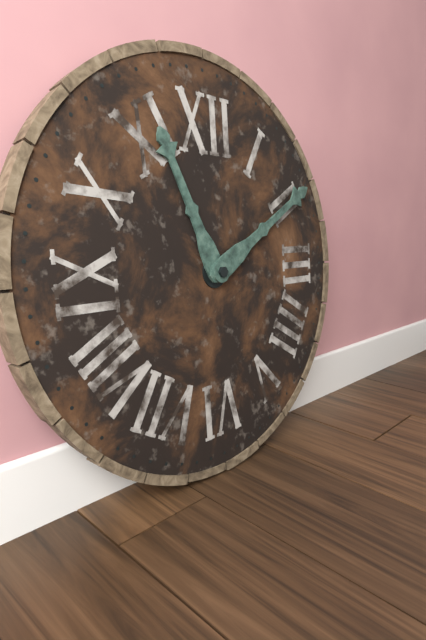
11:10
